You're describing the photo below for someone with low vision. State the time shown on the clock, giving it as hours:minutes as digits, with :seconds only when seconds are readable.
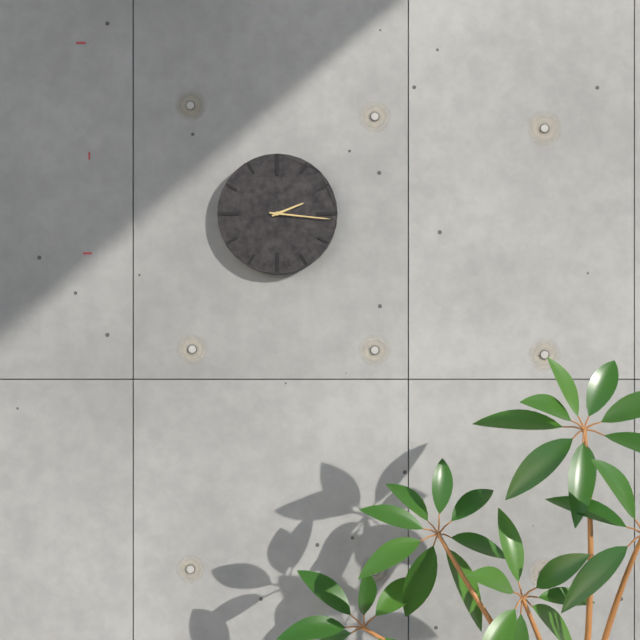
2:16
